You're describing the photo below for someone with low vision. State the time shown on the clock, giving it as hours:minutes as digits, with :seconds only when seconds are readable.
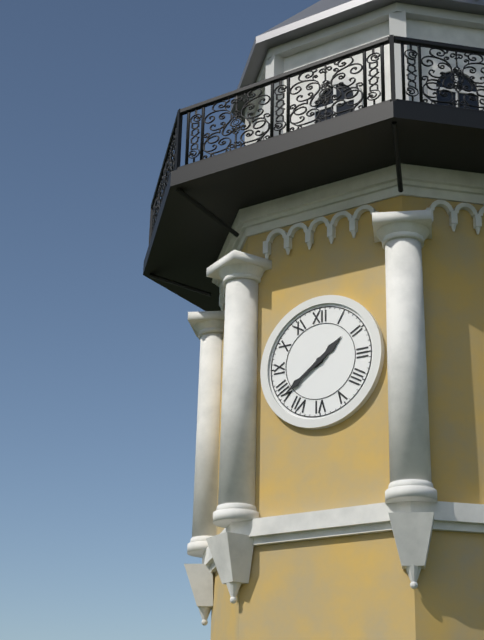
1:39
